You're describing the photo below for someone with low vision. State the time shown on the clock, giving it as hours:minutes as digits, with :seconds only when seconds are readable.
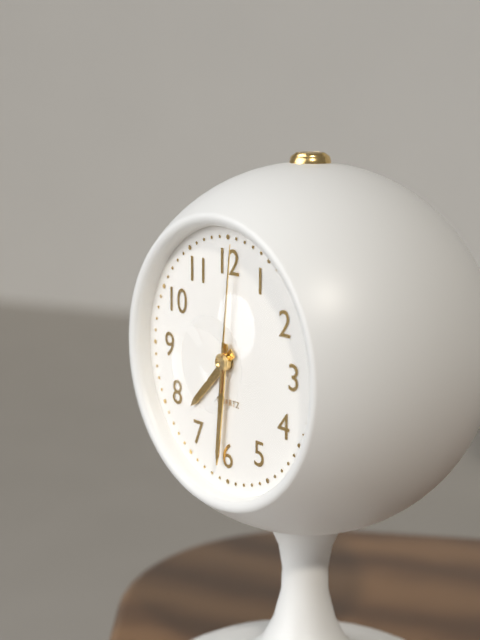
7:31:01
